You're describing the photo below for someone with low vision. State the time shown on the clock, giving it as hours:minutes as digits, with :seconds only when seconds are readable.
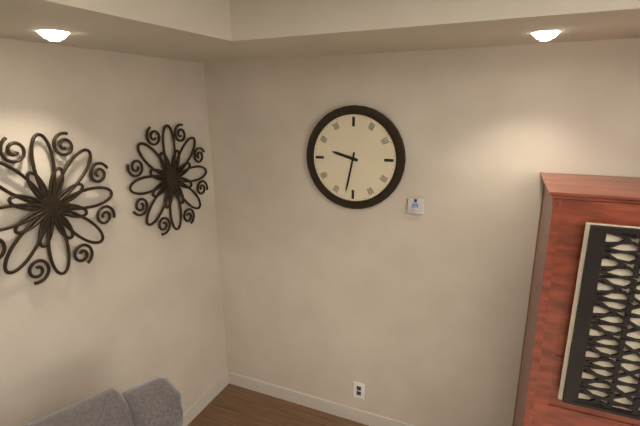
9:32
